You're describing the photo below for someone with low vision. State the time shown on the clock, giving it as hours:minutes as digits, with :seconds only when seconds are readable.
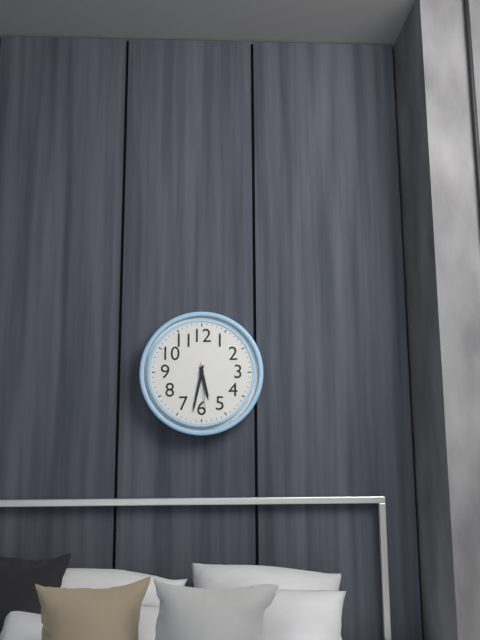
5:32:29
